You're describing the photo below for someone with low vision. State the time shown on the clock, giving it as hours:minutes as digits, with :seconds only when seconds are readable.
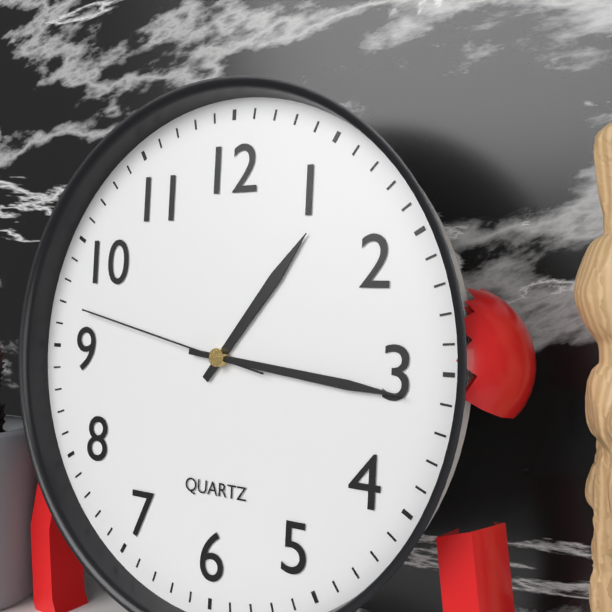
1:16:47
